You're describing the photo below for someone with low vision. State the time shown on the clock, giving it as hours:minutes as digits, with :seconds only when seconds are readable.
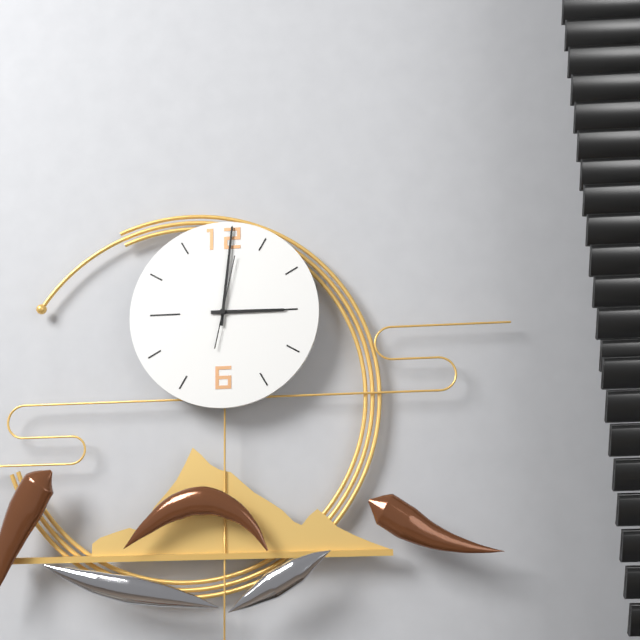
3:01:02
